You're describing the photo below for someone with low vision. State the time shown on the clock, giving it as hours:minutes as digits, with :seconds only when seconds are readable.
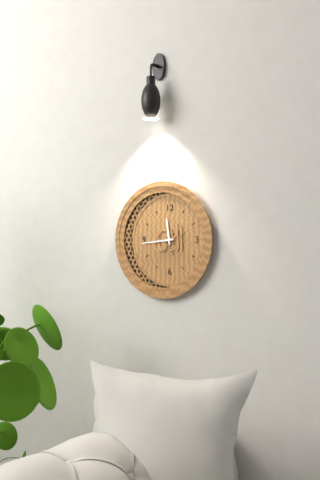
11:44
